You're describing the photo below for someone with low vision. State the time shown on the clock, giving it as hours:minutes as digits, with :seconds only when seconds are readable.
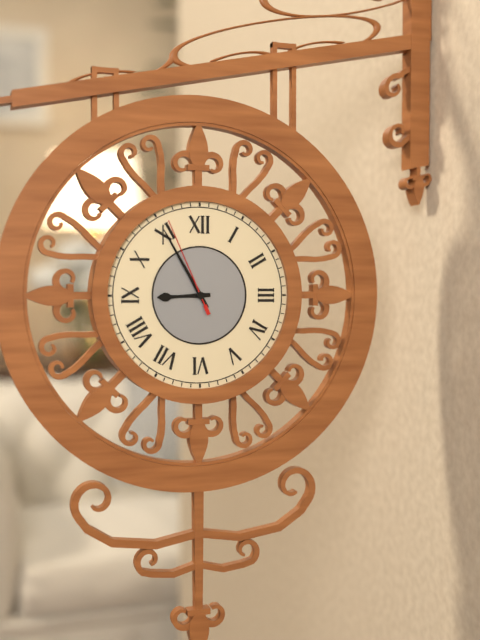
8:55:56
